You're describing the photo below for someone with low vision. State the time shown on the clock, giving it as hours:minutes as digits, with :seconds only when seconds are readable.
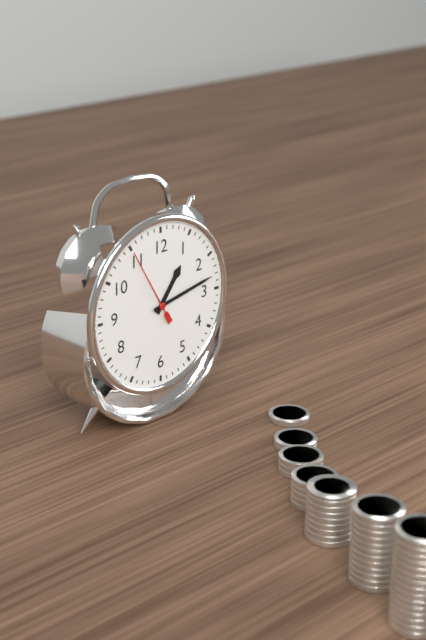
1:13:55
